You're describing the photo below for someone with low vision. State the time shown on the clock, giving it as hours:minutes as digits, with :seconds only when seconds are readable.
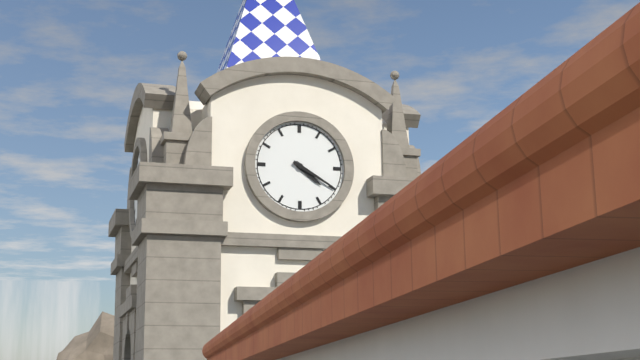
4:20
